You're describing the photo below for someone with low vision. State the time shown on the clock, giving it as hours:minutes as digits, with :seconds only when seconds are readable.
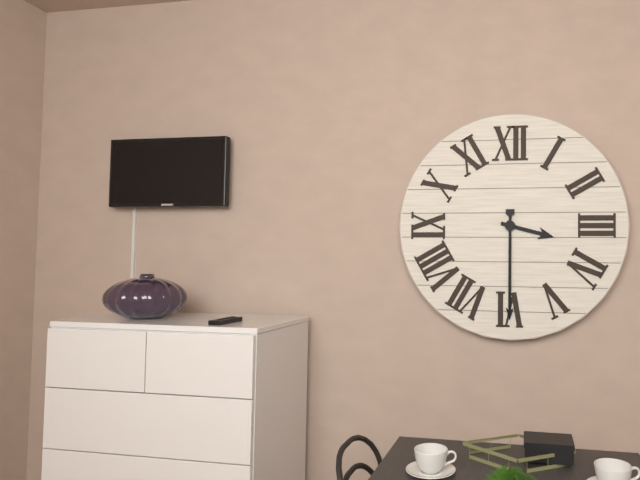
3:30
